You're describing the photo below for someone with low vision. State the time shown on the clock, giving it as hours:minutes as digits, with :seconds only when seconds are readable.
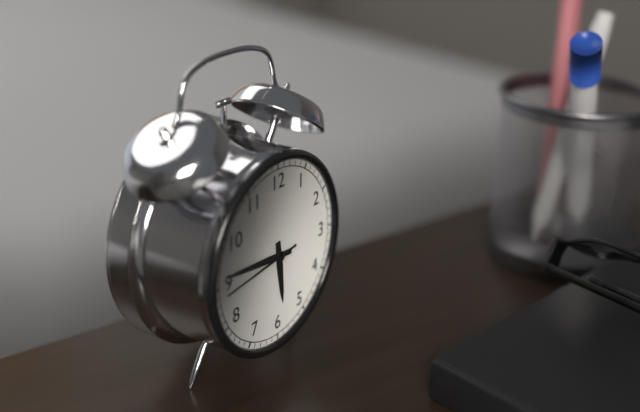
5:46:44
